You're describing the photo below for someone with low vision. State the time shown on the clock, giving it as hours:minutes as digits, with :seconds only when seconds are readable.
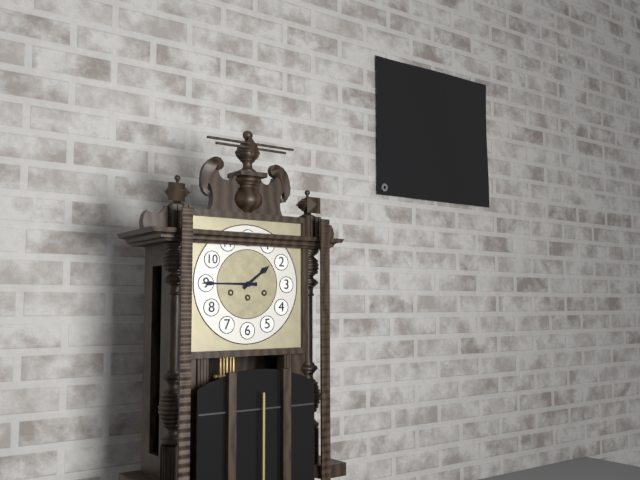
1:45
